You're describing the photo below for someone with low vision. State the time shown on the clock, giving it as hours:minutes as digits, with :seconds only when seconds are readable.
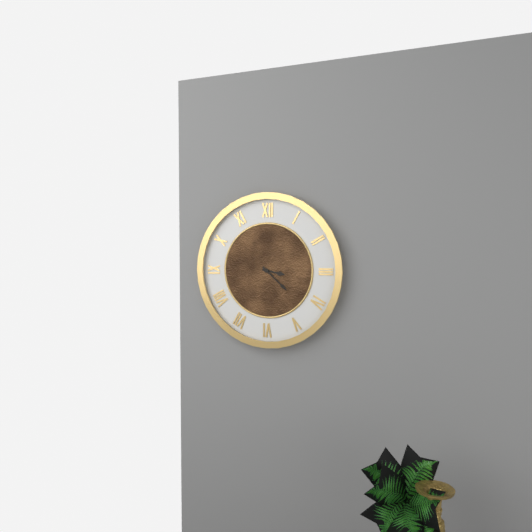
3:22
